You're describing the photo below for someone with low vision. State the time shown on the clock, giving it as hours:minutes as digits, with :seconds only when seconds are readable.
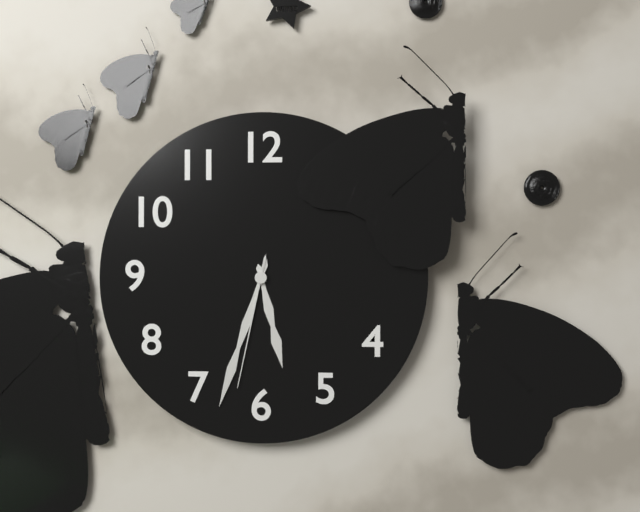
5:33:32
